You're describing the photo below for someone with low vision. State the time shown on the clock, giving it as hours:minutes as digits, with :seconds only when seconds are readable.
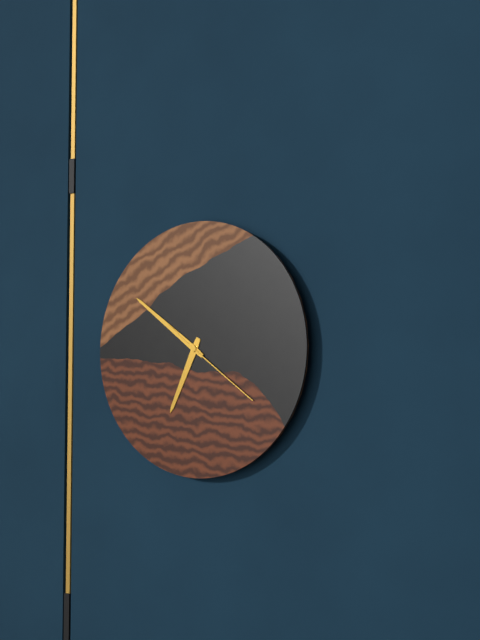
6:51:21
